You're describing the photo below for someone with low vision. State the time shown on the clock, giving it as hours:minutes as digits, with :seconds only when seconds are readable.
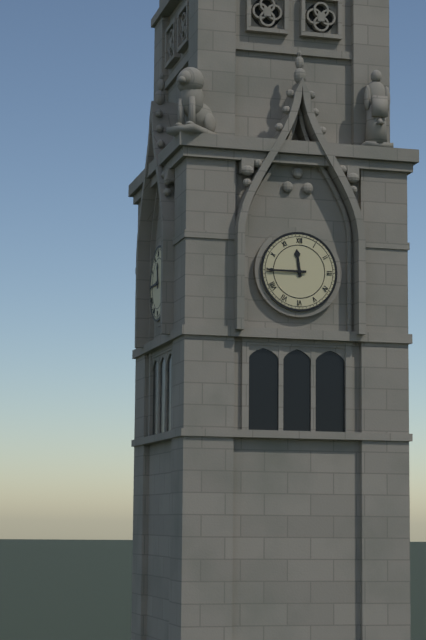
11:45
